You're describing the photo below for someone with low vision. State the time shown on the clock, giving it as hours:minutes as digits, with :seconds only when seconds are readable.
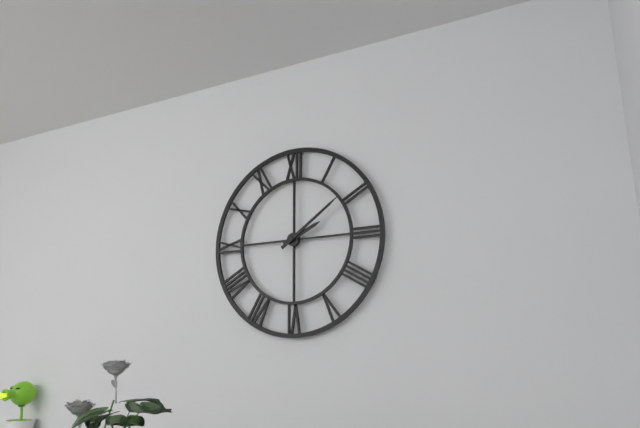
2:09
